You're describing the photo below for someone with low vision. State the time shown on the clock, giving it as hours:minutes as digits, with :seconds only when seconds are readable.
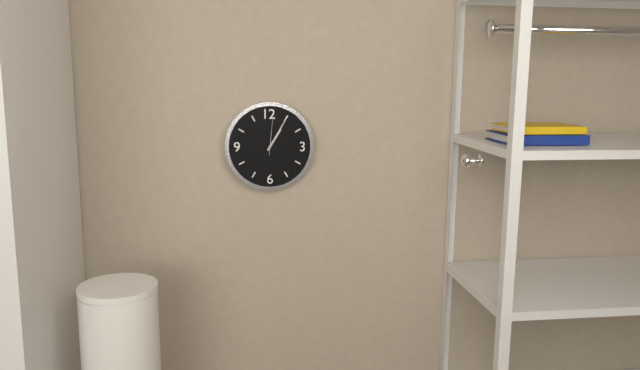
1:05
